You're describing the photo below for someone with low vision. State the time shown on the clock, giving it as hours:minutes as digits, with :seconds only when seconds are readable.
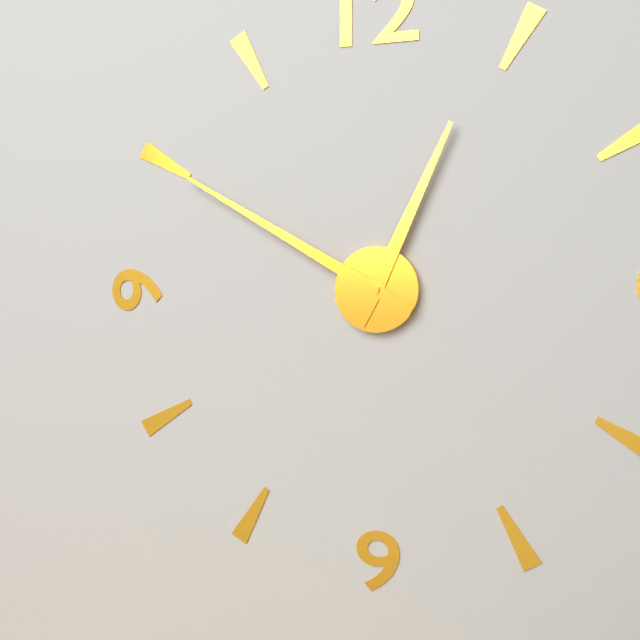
12:50
